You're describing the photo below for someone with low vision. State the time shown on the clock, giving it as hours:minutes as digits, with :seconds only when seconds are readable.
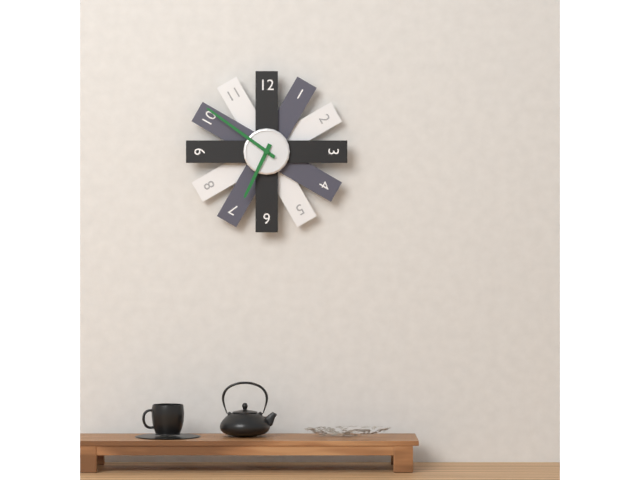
6:51
